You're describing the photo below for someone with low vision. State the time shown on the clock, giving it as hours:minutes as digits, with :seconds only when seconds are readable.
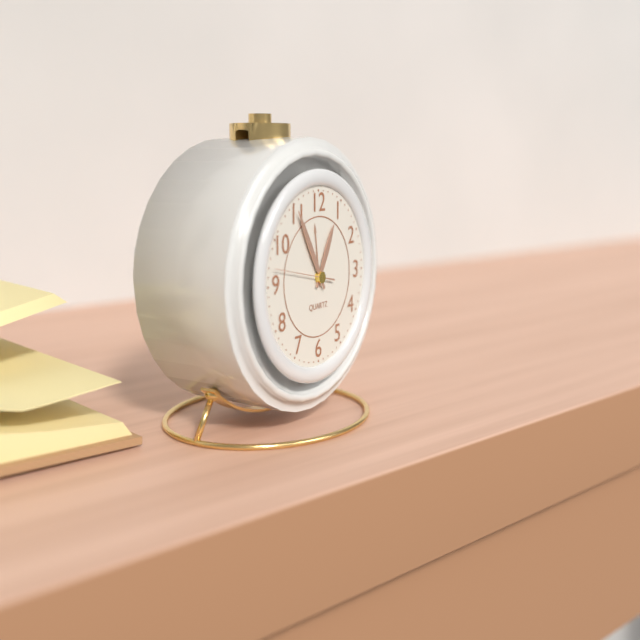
12:55:47
